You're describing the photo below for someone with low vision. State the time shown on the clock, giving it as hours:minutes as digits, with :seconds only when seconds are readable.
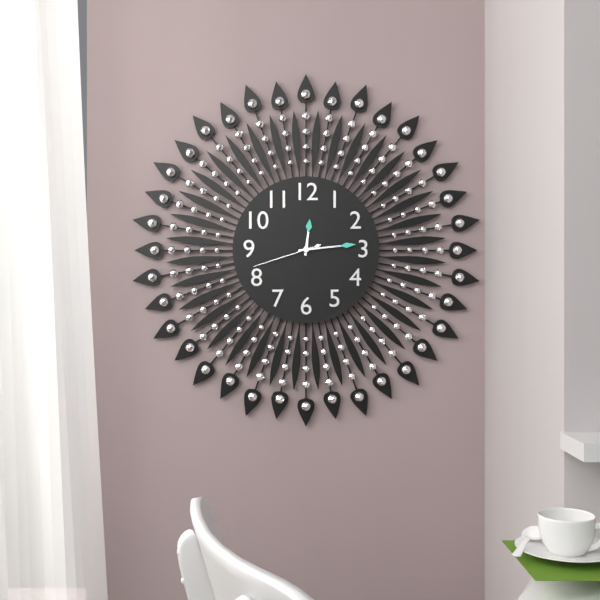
12:14:42
